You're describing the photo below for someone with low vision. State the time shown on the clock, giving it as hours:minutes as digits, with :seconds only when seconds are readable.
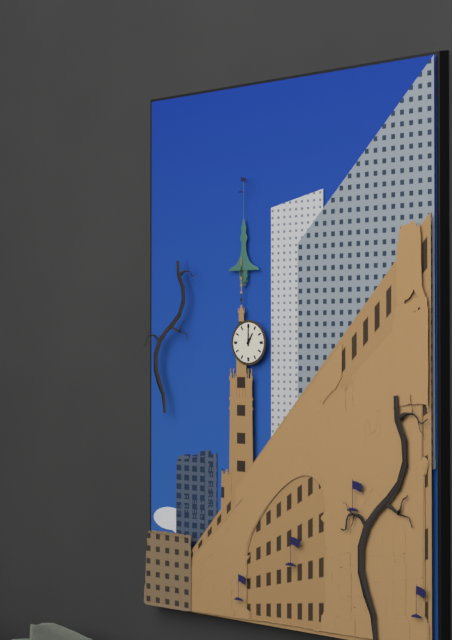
1:00
